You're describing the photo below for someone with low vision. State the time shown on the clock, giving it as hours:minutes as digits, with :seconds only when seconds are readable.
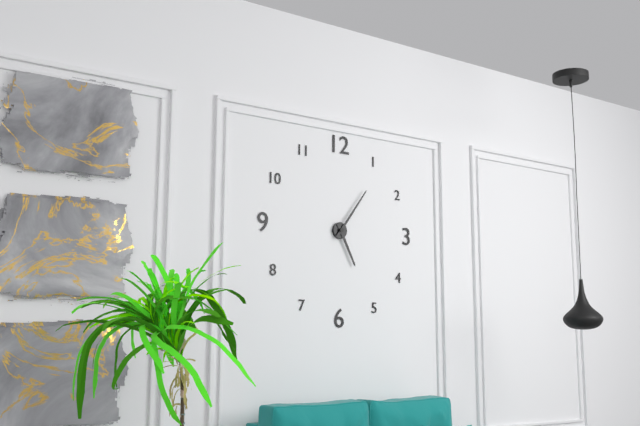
5:06
